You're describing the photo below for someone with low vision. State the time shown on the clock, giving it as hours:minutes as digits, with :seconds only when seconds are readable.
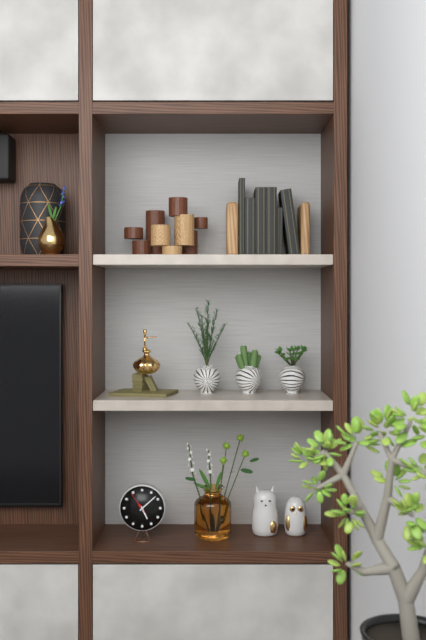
5:08
